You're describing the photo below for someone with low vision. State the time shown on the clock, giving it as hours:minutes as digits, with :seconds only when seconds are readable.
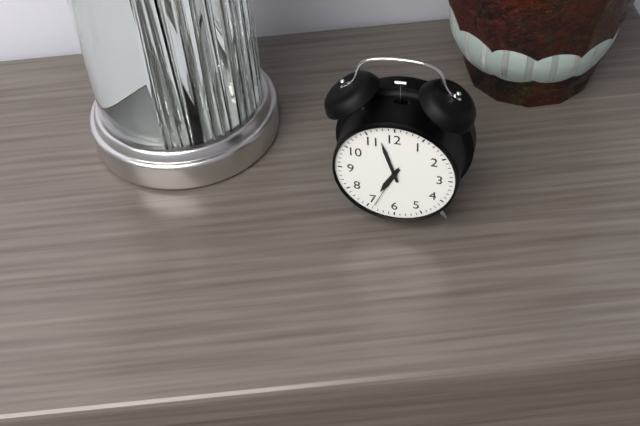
6:57
